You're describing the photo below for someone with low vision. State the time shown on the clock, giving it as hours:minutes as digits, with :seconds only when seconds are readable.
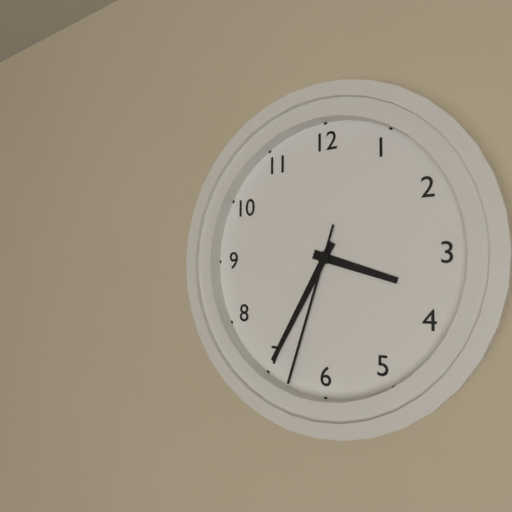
3:35:33
